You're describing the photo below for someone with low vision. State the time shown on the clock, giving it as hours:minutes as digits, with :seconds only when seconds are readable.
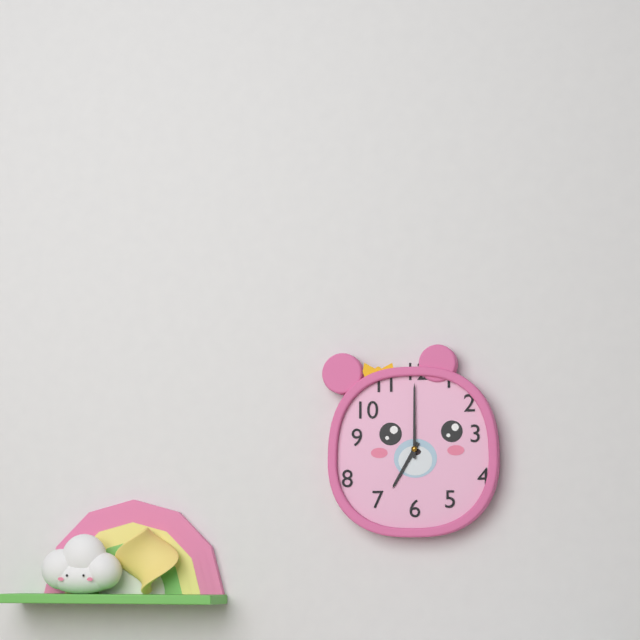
7:00
